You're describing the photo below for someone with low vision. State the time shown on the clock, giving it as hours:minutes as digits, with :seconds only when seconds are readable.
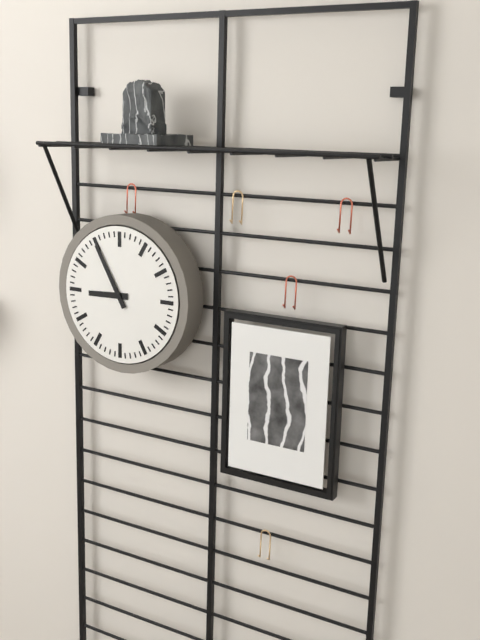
8:55
